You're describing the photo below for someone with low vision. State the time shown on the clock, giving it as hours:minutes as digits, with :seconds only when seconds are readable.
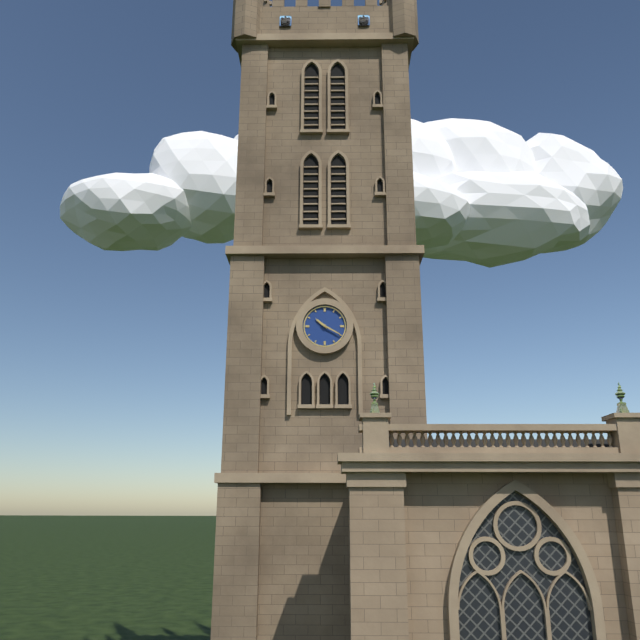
10:20
